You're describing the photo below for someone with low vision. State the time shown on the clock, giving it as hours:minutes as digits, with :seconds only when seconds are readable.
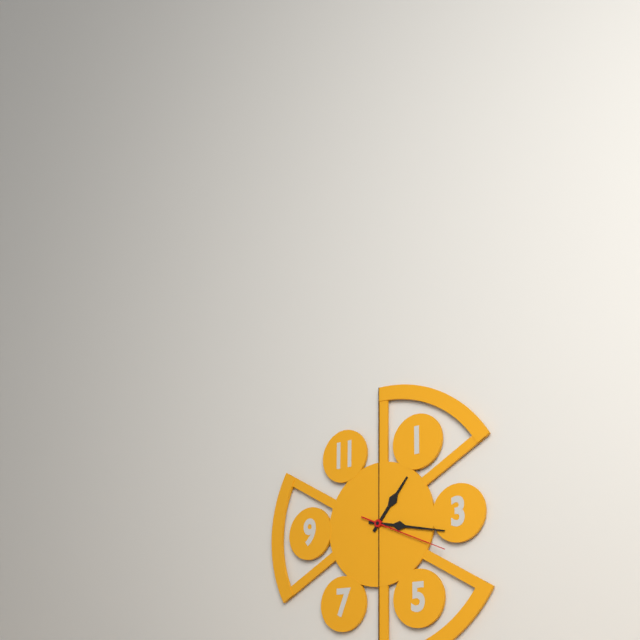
1:17:19
